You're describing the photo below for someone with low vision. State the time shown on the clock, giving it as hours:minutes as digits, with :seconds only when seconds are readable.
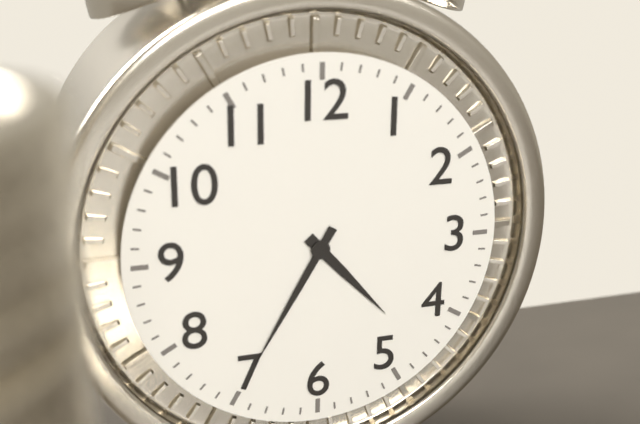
4:35
